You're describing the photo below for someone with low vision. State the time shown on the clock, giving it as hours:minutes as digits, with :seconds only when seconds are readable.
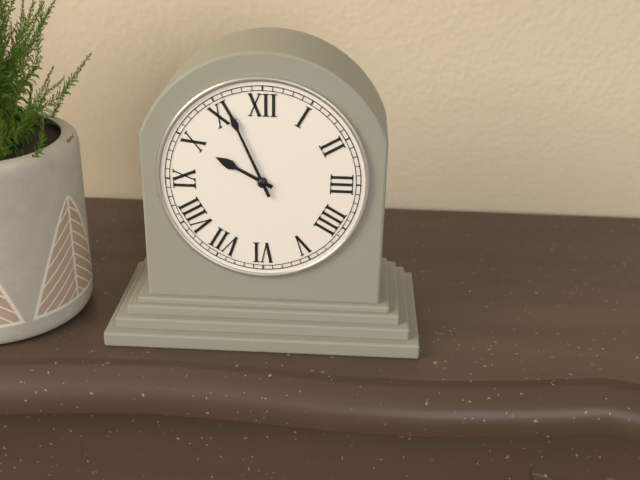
9:56
